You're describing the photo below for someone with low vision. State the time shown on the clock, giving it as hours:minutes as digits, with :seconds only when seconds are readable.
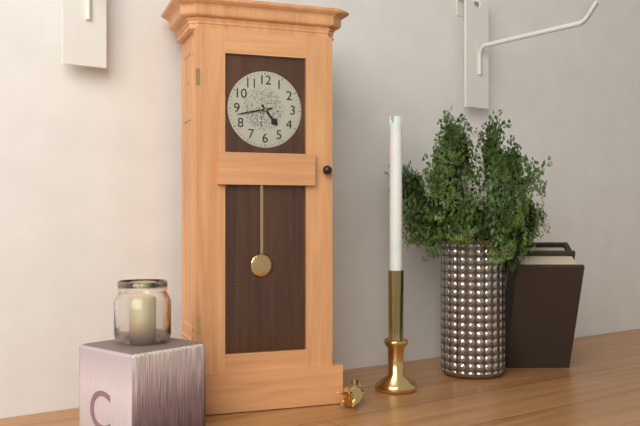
4:43
